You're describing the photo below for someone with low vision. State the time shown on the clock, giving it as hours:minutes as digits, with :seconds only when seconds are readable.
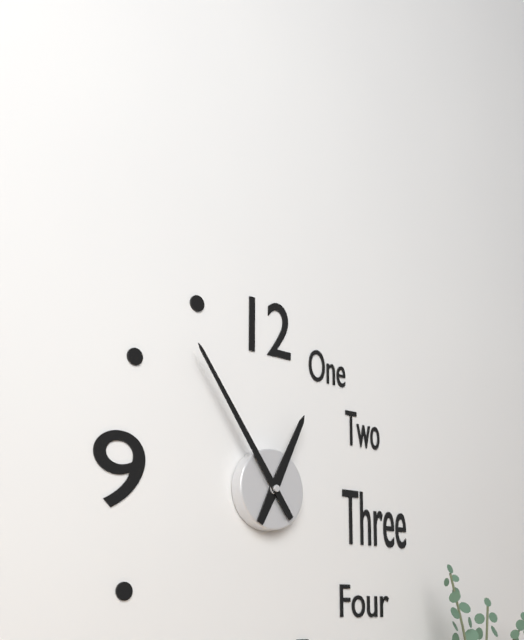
12:54
